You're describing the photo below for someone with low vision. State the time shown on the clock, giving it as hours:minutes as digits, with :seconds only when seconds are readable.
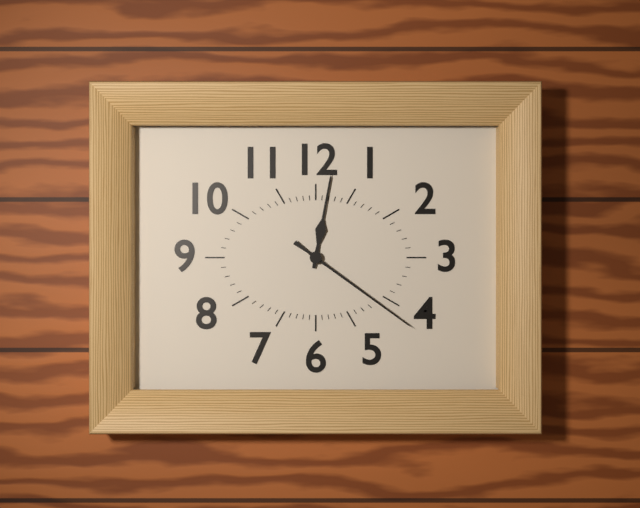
12:21
